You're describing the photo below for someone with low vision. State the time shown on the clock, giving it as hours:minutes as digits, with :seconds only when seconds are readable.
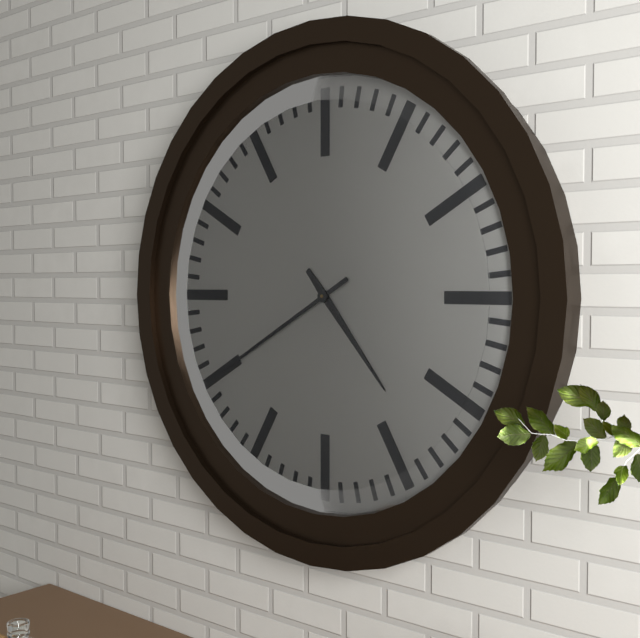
4:40
